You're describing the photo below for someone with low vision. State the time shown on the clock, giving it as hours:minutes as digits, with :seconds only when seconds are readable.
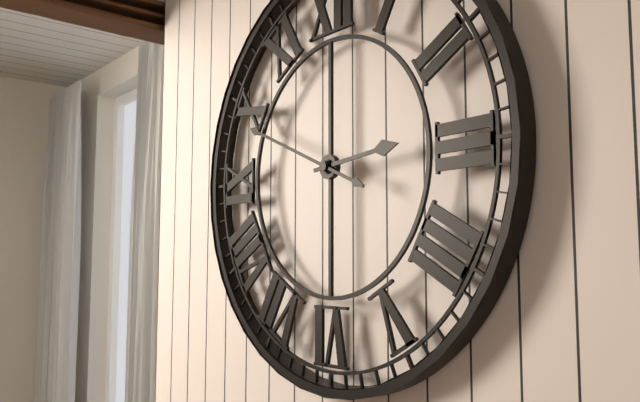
2:49
